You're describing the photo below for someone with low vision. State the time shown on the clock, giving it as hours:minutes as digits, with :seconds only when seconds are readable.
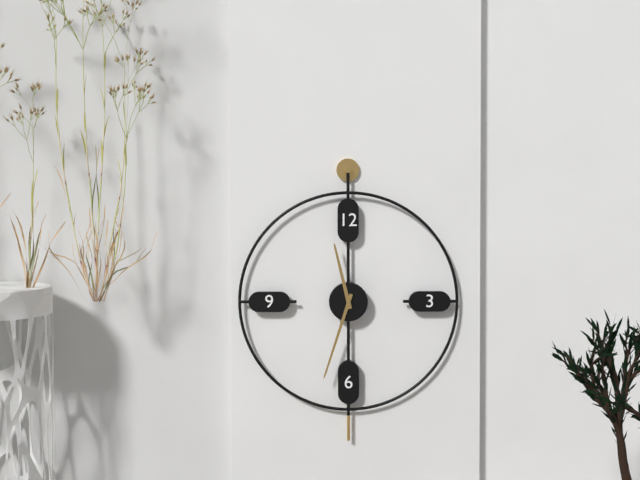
11:33
